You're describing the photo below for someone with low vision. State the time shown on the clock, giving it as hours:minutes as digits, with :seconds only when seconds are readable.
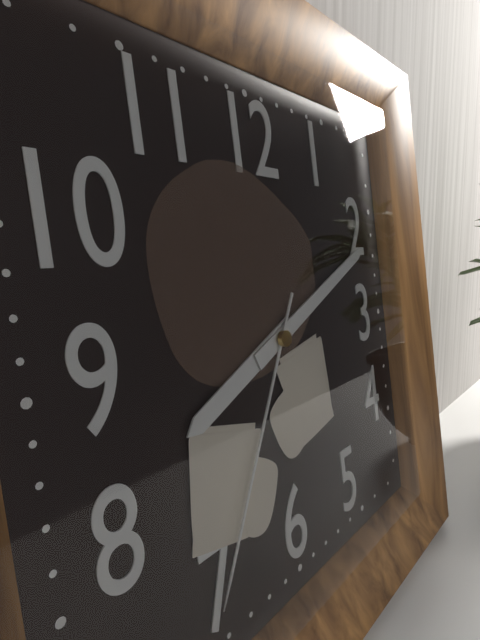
8:11:35
